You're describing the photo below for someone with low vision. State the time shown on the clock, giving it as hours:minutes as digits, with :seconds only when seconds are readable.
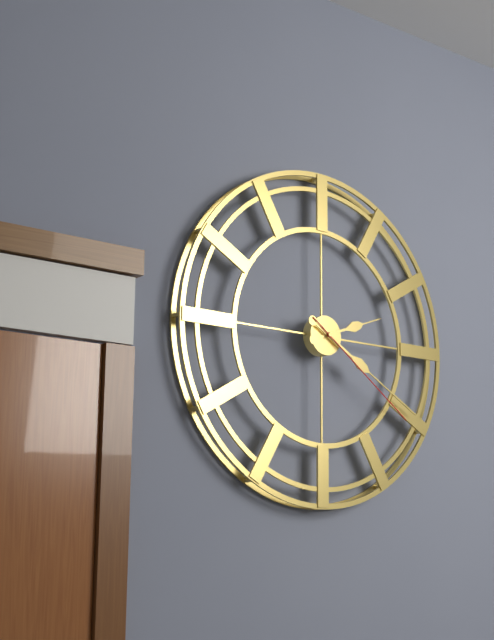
2:20:21
